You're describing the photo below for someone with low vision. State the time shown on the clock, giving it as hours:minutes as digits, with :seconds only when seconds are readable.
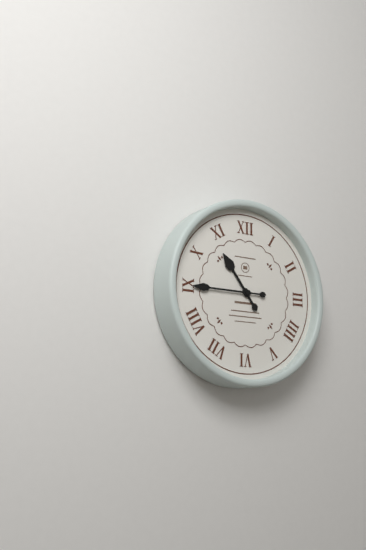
10:45
